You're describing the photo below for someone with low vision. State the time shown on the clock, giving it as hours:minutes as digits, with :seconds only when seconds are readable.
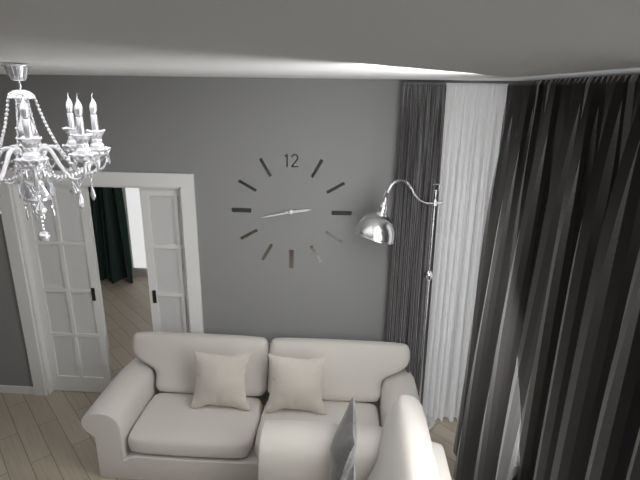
2:43
